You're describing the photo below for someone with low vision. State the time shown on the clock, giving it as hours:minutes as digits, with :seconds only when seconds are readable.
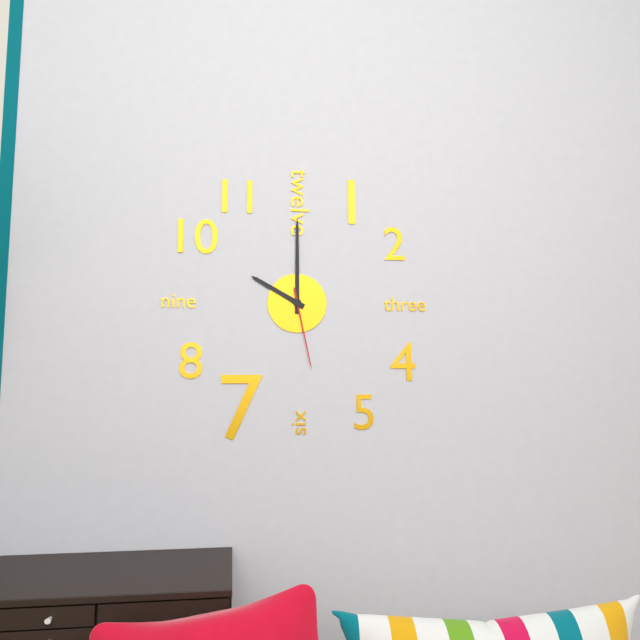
10:00:28
